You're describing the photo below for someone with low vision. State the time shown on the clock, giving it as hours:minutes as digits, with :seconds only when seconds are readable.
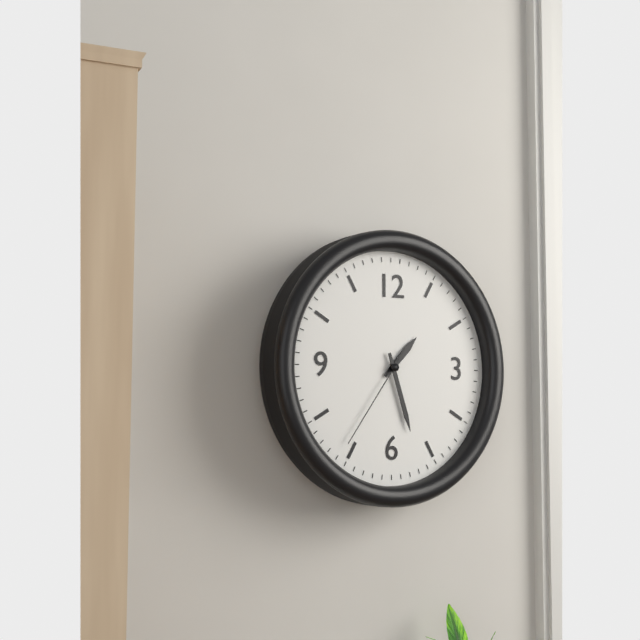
1:27:36
